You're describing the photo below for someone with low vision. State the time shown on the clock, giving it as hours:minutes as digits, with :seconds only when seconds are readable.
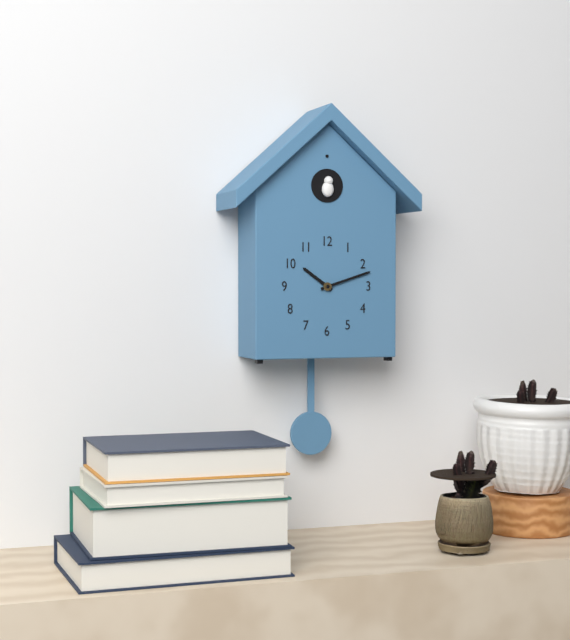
10:12
